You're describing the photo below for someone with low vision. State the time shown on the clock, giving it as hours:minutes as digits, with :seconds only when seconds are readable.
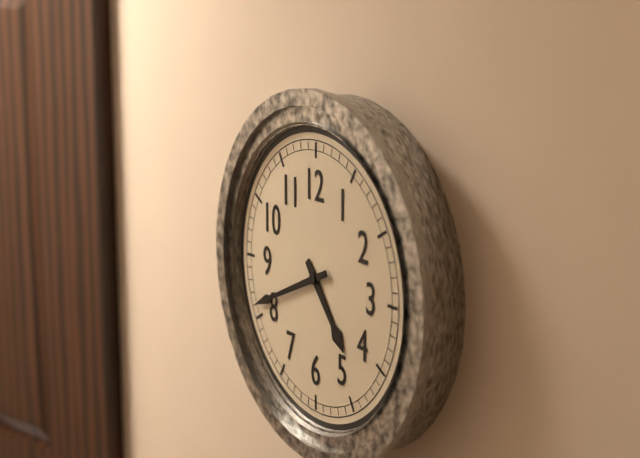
4:41
